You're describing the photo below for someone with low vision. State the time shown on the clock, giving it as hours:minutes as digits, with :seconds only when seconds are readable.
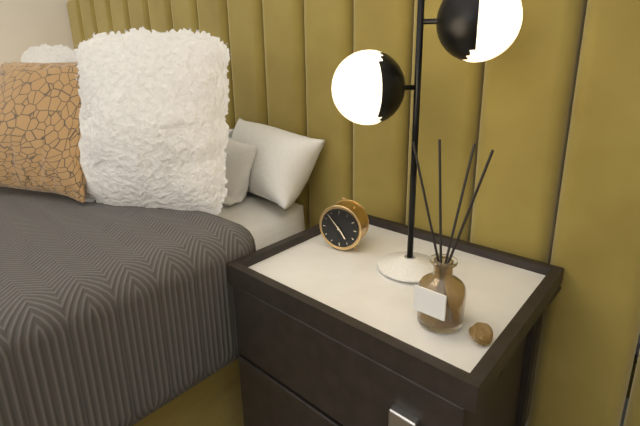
4:53
